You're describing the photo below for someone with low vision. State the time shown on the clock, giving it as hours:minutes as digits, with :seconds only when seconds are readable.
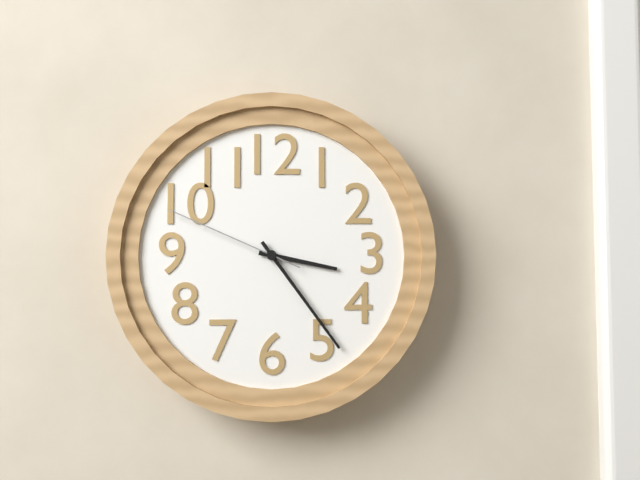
3:24:49
